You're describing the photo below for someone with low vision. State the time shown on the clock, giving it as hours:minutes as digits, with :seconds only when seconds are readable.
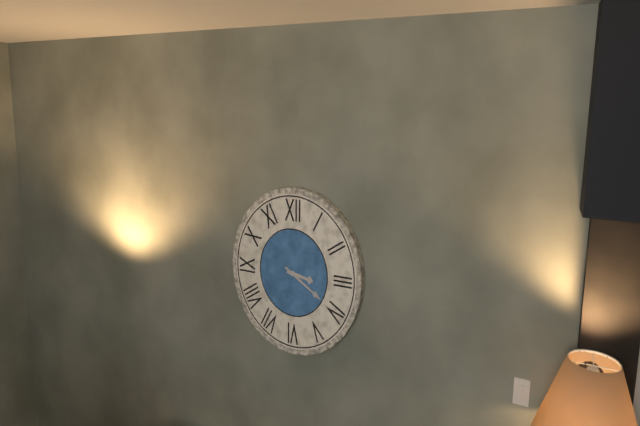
3:20
